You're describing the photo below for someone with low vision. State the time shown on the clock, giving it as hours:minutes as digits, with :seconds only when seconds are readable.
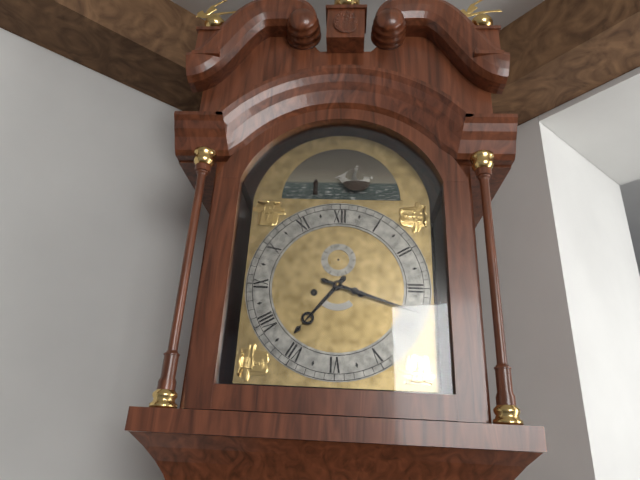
7:18
